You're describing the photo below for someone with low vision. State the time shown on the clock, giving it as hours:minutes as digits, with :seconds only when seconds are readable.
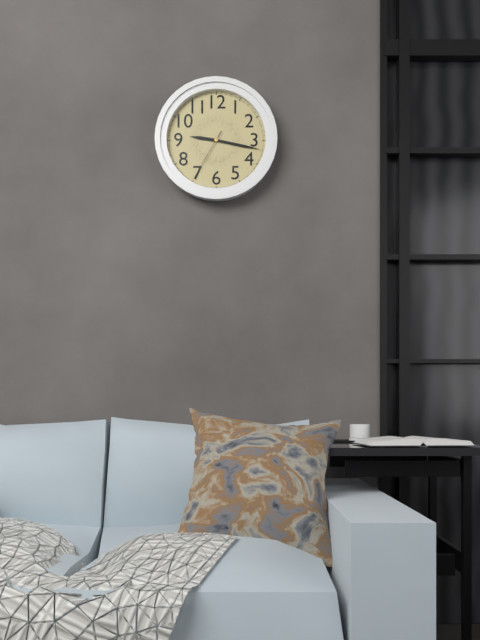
9:17:35
